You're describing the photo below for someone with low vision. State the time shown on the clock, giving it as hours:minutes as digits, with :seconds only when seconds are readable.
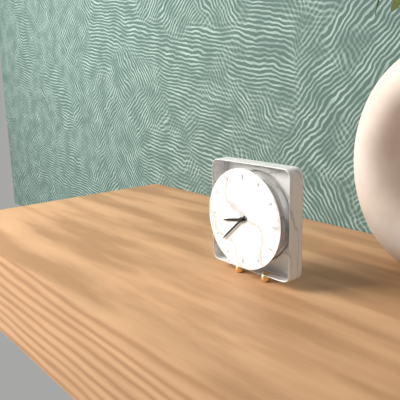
8:38
